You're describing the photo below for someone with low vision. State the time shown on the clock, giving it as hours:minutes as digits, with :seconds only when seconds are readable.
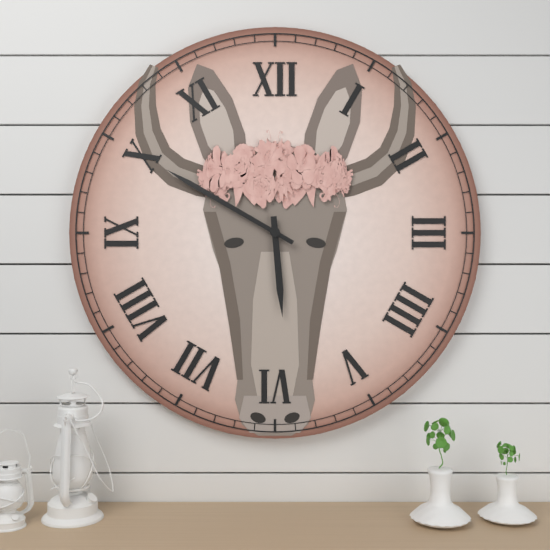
5:50
